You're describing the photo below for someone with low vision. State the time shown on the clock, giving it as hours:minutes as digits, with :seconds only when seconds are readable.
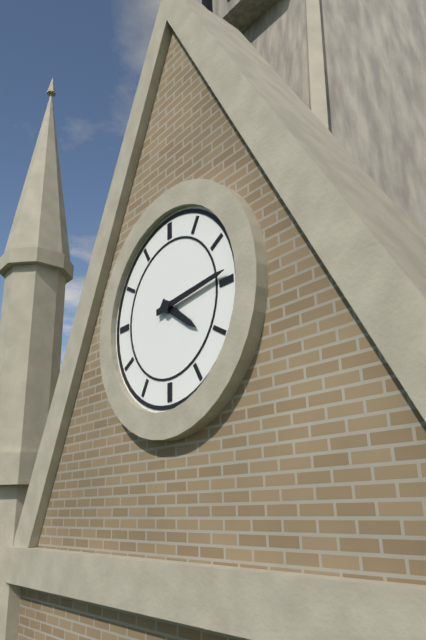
4:14
